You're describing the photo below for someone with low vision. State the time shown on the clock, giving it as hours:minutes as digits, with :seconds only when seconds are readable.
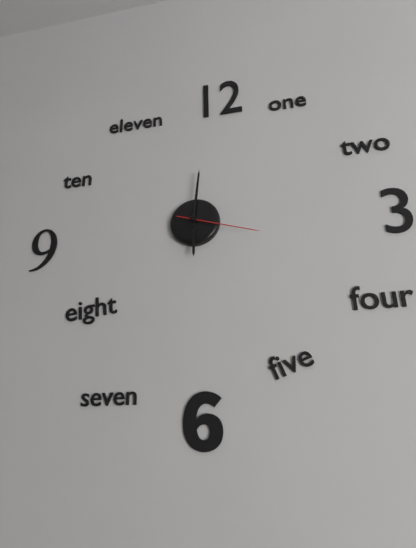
6:01:18
